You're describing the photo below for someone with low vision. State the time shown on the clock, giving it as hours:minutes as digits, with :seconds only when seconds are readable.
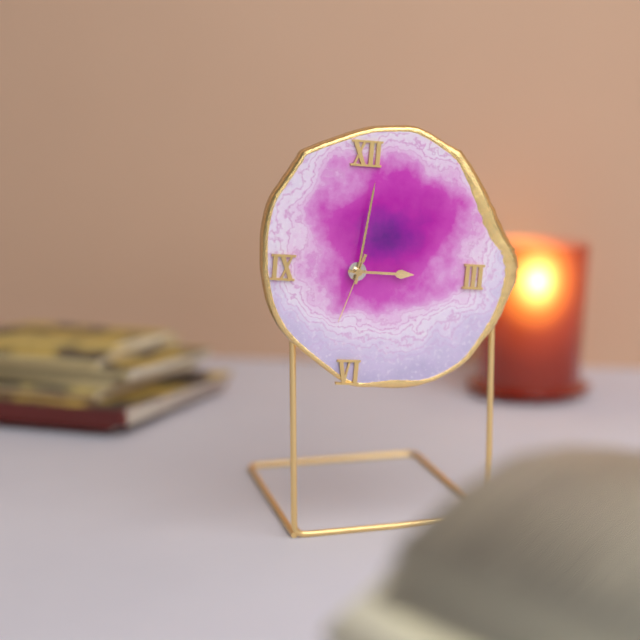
3:01:33
